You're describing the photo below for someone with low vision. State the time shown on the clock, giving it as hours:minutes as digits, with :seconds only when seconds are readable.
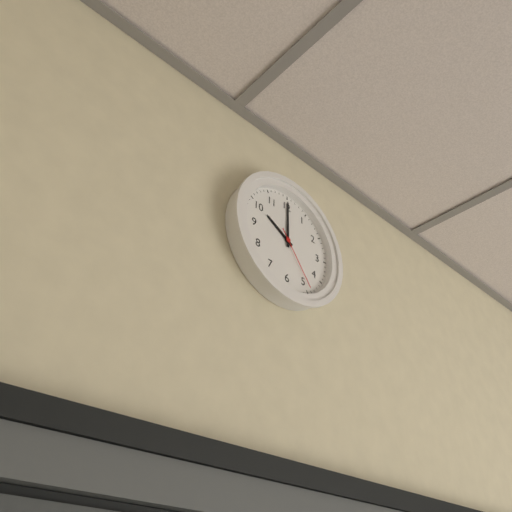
10:00:24
